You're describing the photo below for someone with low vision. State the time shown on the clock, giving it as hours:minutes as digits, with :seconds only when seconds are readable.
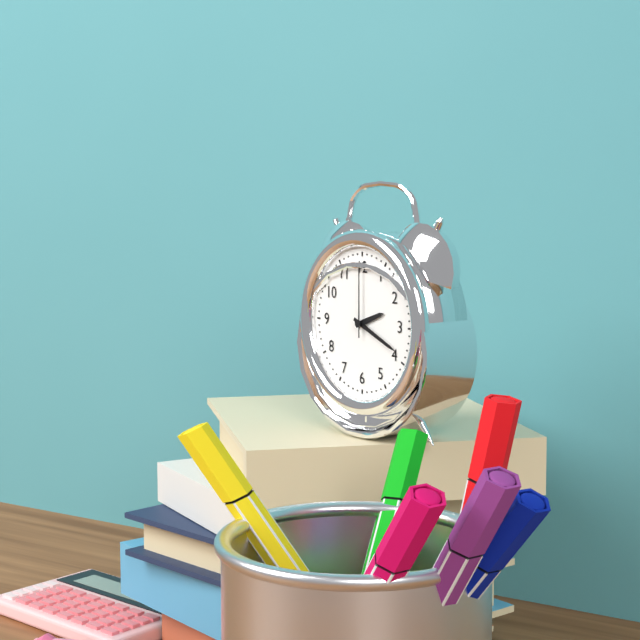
2:19:00
